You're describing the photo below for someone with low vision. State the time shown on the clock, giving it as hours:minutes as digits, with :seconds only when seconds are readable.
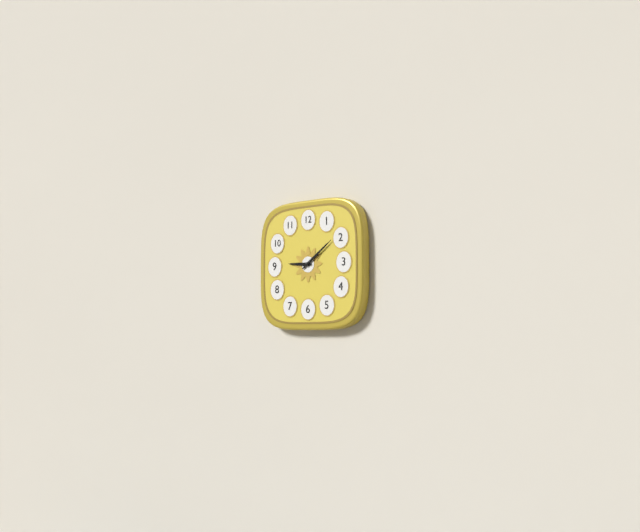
9:09
